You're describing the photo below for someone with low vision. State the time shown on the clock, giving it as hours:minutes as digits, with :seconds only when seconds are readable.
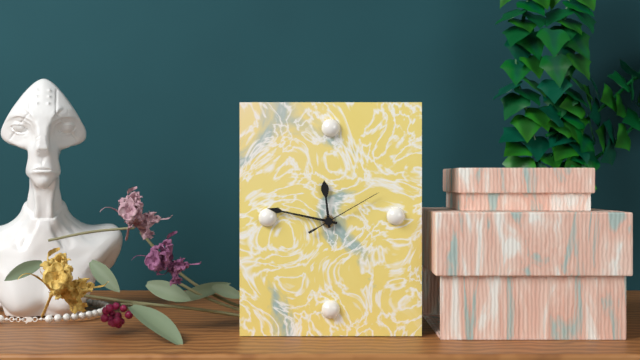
11:47:10
